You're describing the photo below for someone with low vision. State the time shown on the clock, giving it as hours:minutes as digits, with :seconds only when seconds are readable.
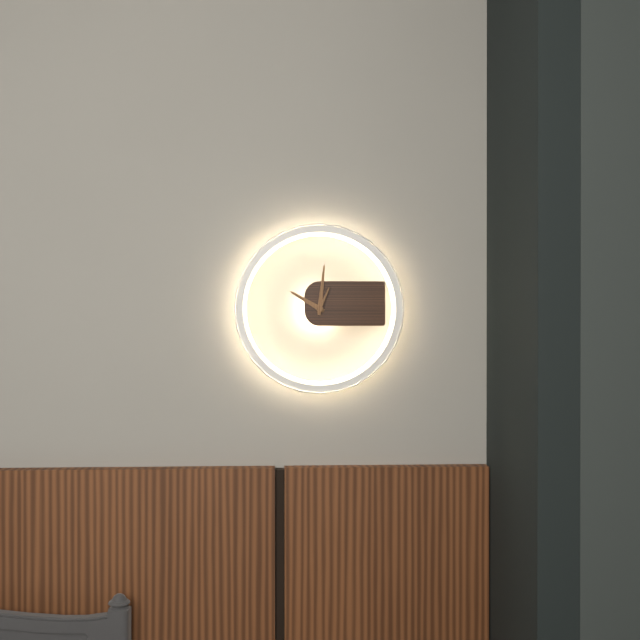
10:01
